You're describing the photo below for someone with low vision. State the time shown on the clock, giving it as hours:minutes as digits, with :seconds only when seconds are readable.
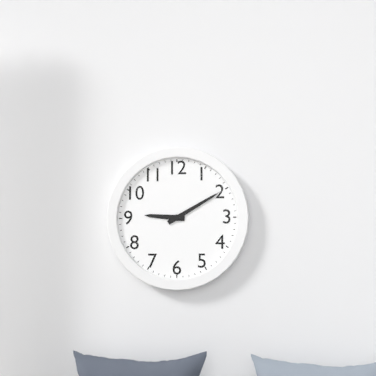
9:10
